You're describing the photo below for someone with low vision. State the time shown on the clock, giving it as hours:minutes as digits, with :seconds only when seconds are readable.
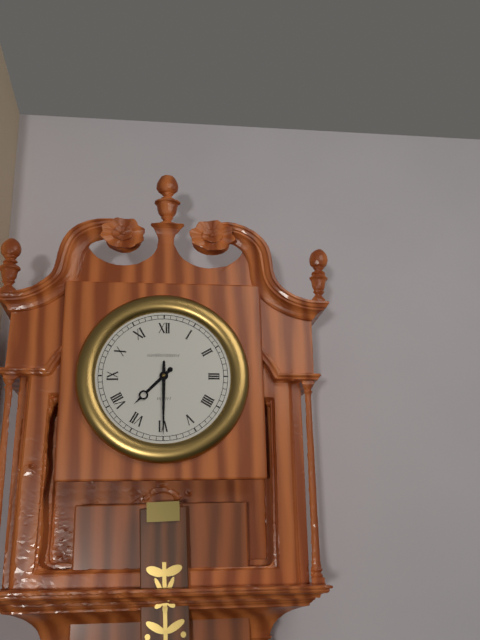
7:30
